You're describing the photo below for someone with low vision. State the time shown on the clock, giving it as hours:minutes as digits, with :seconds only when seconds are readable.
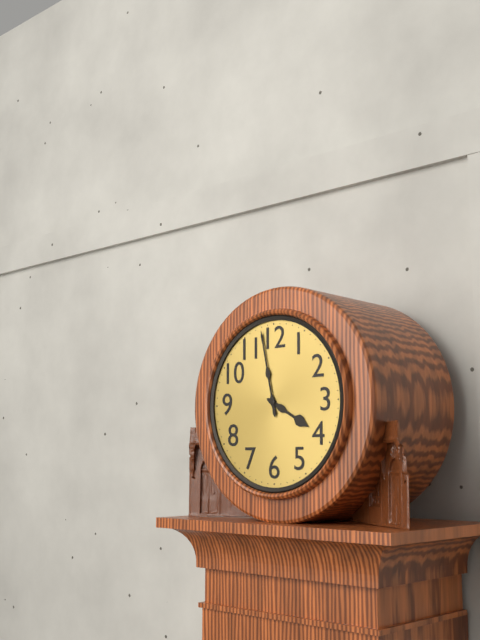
3:58
